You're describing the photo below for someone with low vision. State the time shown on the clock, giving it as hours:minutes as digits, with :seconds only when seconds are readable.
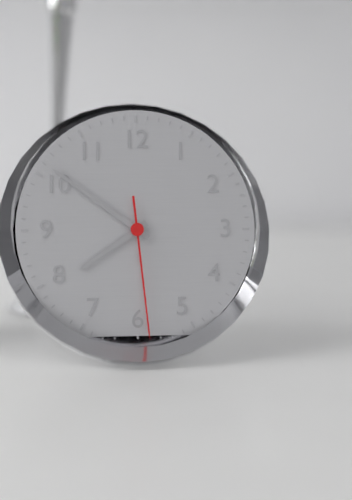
7:51:29
